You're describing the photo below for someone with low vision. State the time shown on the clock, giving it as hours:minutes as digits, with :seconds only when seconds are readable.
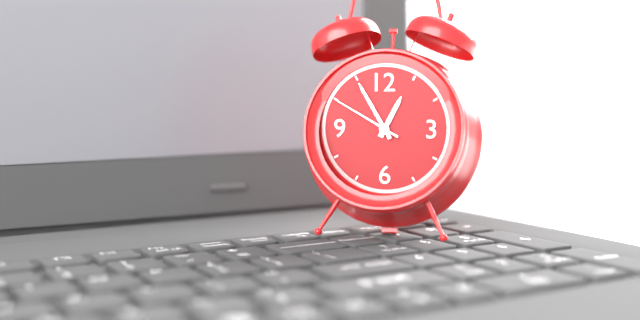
12:55:50
